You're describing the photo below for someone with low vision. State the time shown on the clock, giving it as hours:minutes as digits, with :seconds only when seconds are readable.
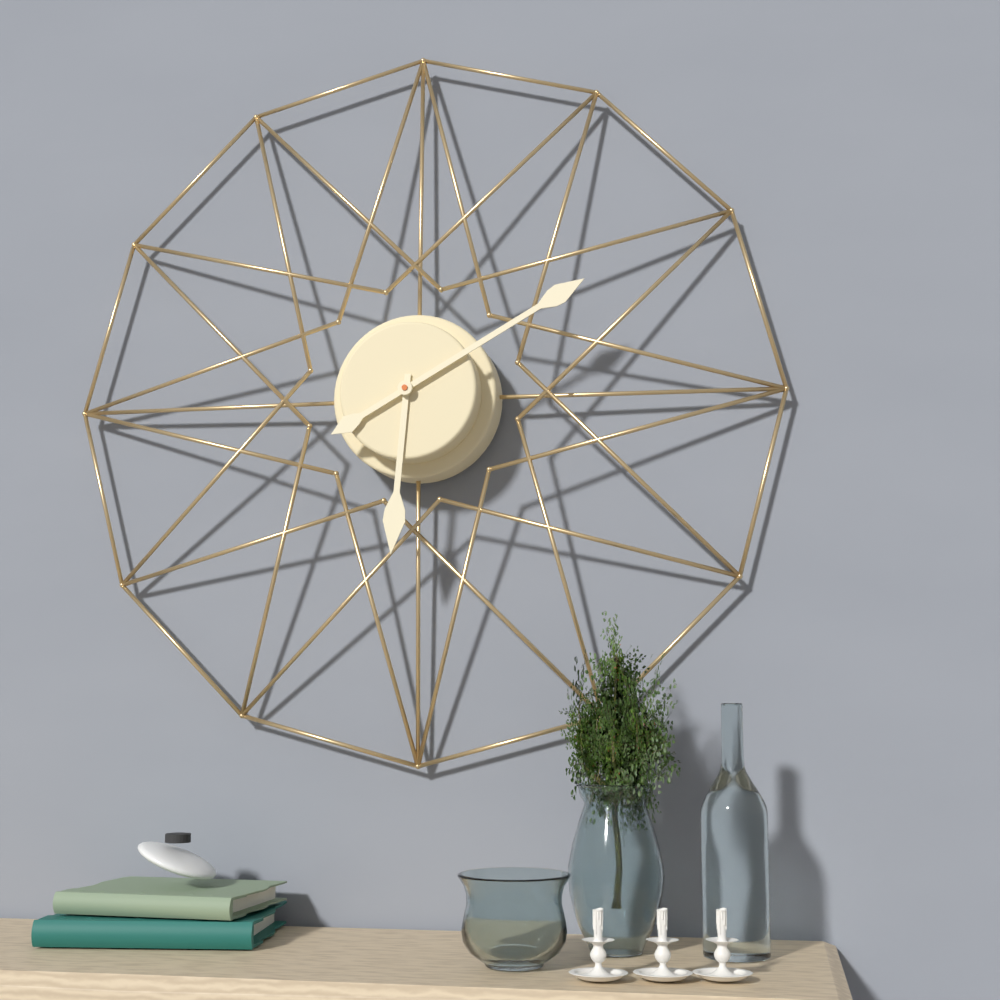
6:10
